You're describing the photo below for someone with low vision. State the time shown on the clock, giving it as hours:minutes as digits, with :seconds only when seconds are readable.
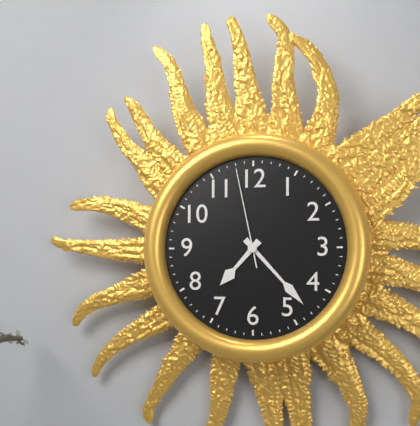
7:23:58
